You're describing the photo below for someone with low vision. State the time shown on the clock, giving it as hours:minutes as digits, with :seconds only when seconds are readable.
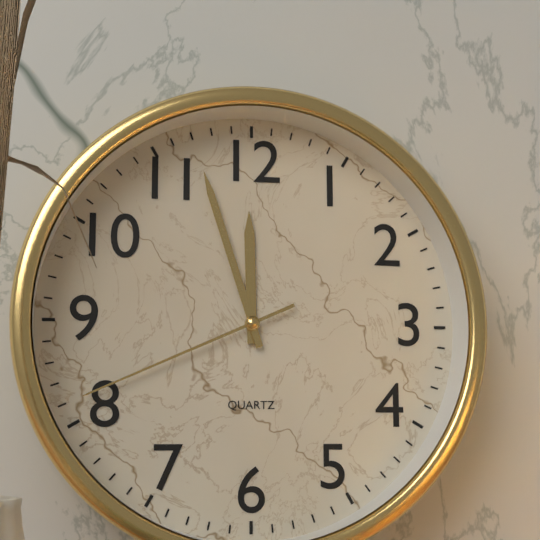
11:57:41
